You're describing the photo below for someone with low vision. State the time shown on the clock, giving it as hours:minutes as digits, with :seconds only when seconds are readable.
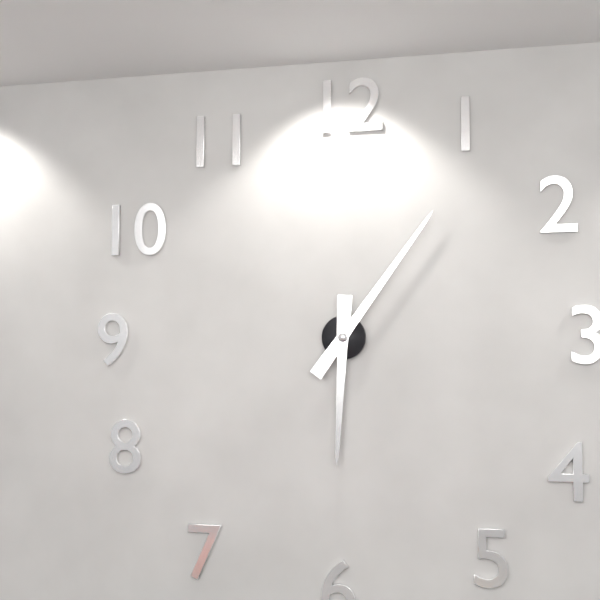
6:06
